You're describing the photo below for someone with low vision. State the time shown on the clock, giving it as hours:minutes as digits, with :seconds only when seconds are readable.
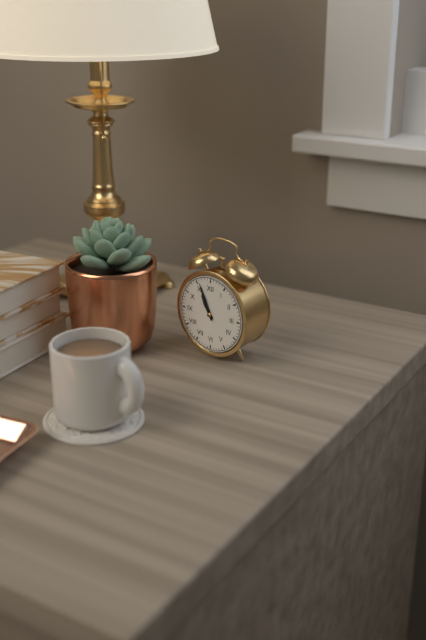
10:56
